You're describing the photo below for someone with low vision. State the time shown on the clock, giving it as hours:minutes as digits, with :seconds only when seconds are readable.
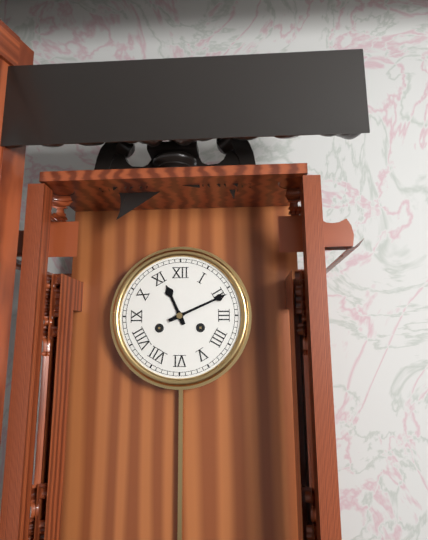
11:11
